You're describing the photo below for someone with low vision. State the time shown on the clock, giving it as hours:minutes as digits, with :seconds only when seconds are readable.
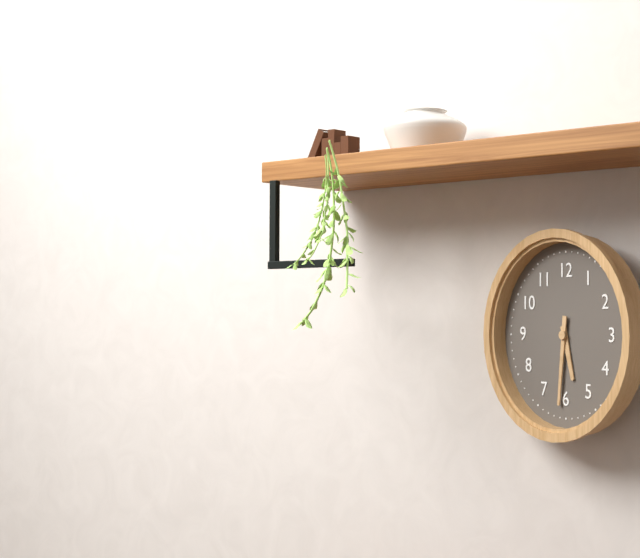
5:31
